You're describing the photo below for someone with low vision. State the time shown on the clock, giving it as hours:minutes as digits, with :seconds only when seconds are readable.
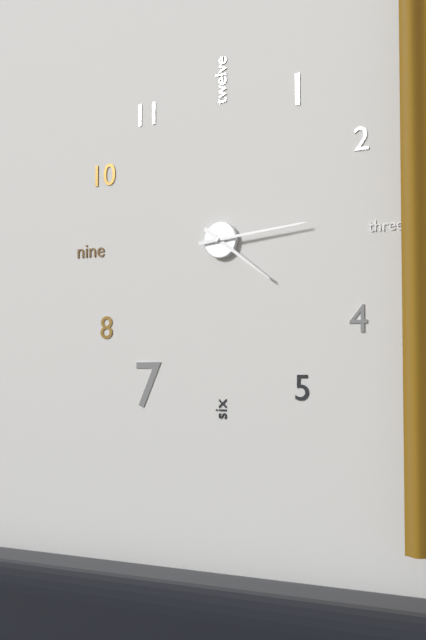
4:14
